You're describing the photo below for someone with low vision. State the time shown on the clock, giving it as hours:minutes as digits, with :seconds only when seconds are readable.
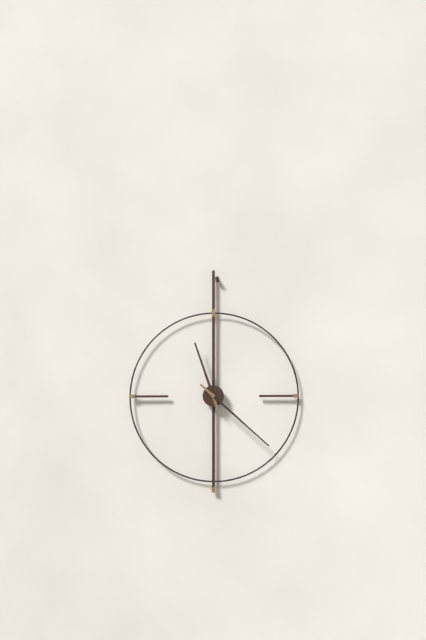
11:22
